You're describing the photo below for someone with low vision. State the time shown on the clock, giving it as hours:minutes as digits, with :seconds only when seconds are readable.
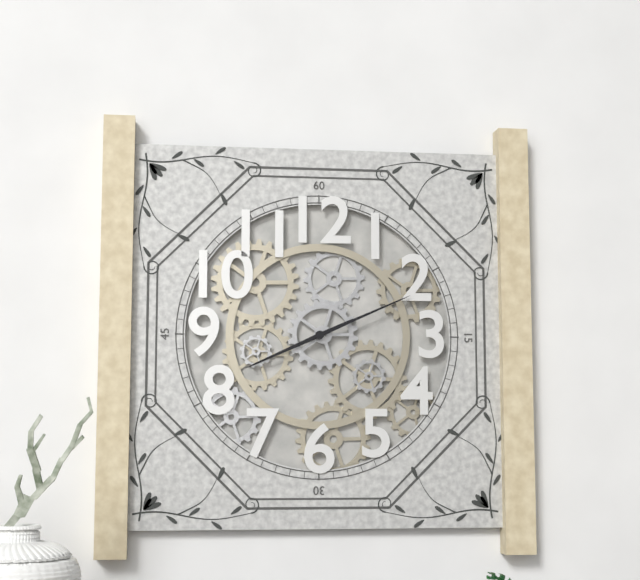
8:11
